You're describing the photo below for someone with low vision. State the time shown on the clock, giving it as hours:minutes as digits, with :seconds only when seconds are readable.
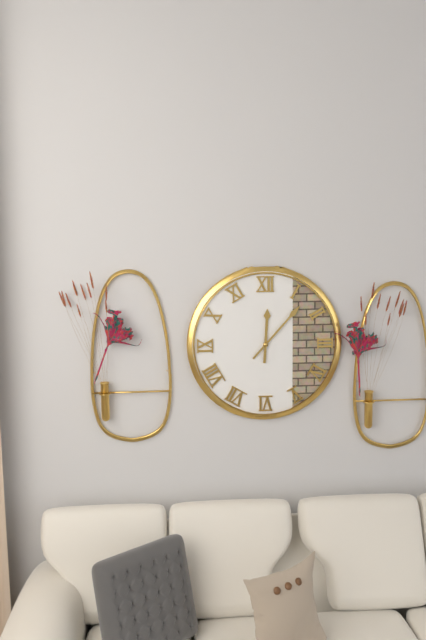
12:07
